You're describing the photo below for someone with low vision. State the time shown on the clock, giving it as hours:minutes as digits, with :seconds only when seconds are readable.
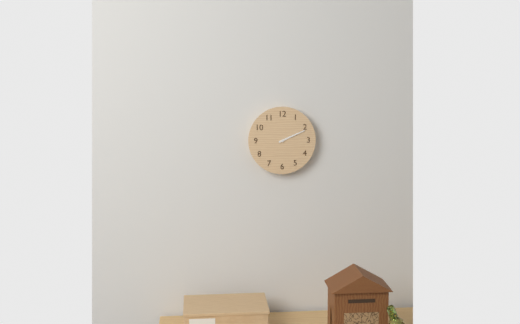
2:11
